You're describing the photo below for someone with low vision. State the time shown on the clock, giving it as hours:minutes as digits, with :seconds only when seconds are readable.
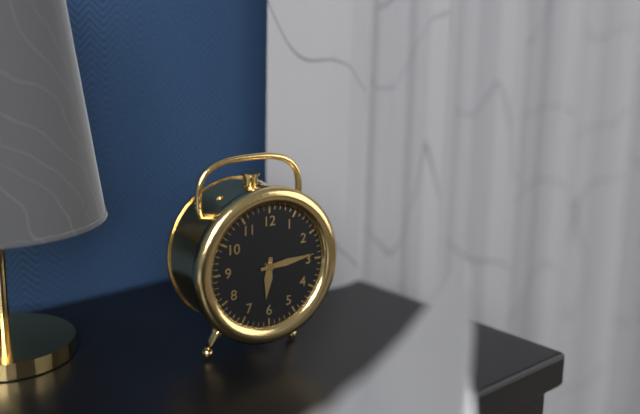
6:14
